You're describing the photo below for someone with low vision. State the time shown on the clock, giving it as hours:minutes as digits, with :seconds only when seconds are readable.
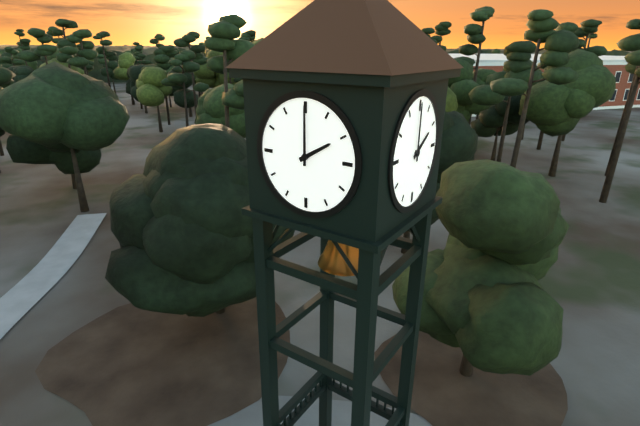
2:00
